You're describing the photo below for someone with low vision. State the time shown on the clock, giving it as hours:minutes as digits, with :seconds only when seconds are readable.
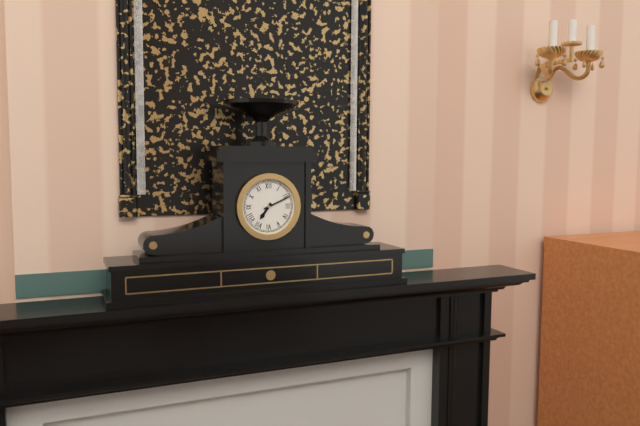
7:11
